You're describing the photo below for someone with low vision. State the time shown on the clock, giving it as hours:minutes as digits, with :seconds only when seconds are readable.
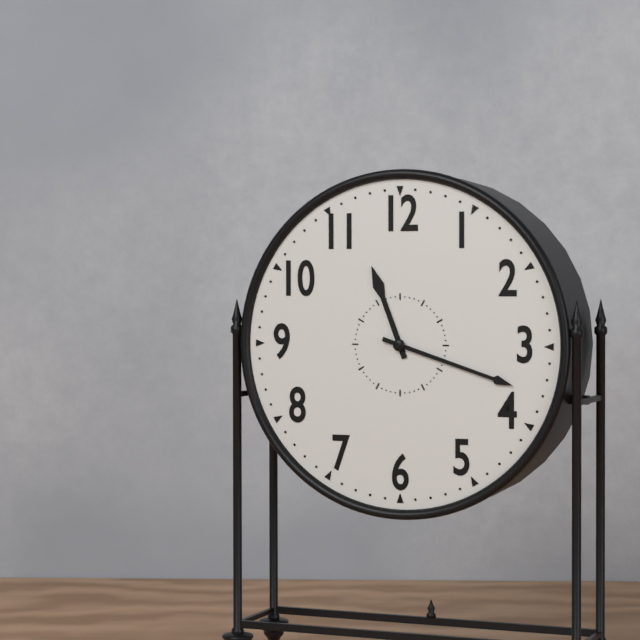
11:18
